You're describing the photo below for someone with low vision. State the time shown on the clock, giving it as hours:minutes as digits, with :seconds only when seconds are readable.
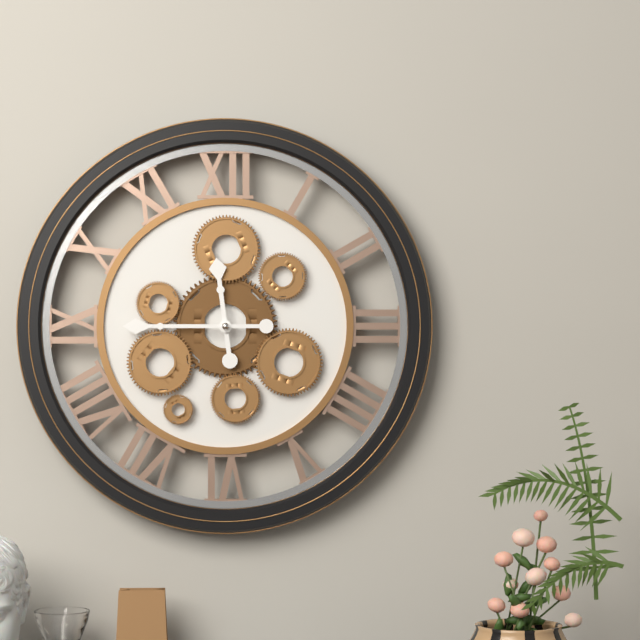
11:45
